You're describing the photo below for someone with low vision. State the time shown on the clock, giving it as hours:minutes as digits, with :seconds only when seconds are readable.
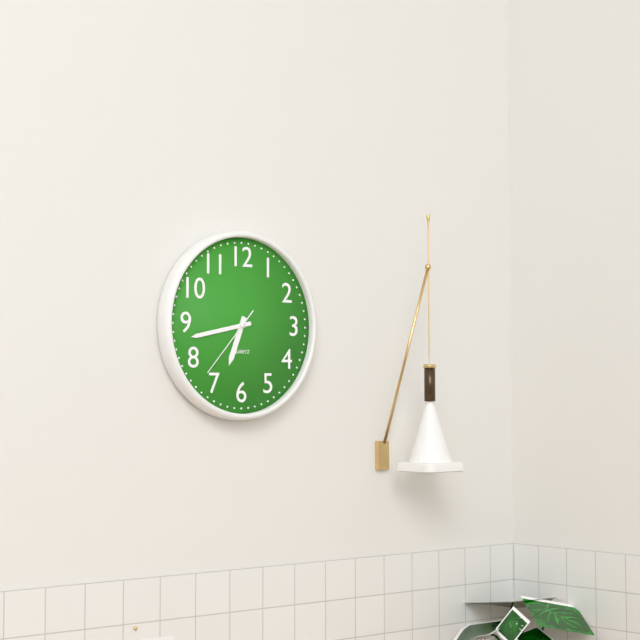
6:43:37
